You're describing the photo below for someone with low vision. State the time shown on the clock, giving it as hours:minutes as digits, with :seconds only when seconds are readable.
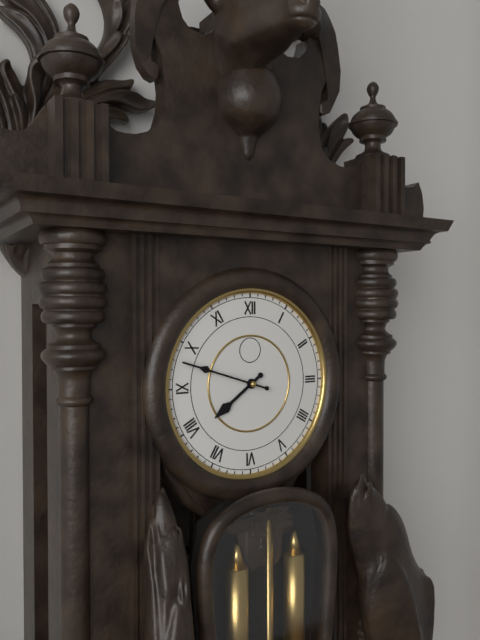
7:48
